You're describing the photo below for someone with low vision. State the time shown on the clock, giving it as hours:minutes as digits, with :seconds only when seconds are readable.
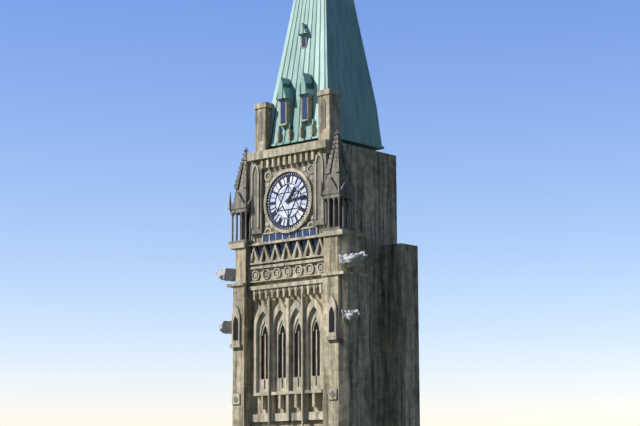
1:14
